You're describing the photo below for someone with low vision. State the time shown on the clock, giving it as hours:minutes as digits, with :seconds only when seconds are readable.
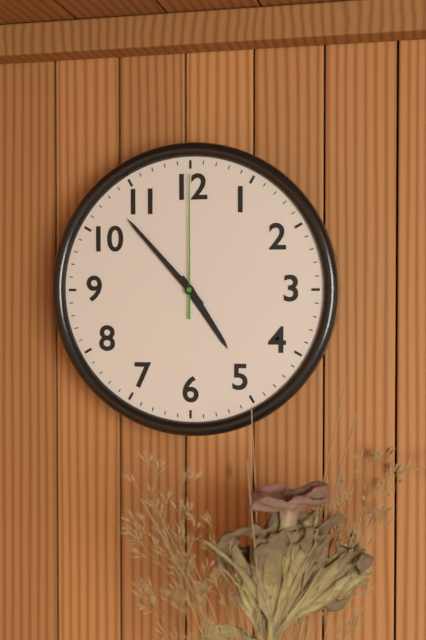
4:53:00
